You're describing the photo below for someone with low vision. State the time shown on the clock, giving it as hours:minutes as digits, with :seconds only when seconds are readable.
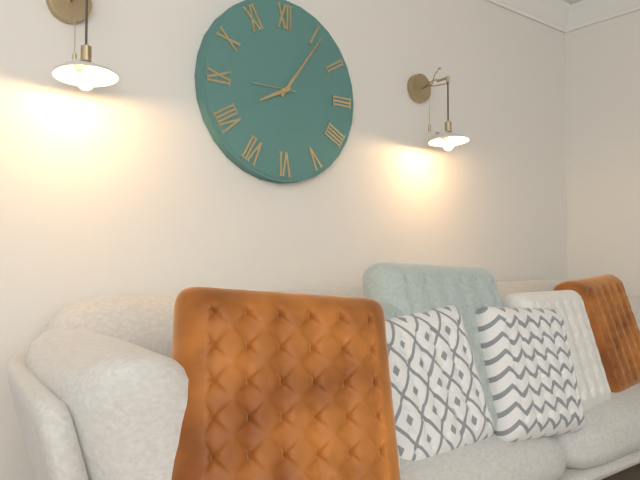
8:06
